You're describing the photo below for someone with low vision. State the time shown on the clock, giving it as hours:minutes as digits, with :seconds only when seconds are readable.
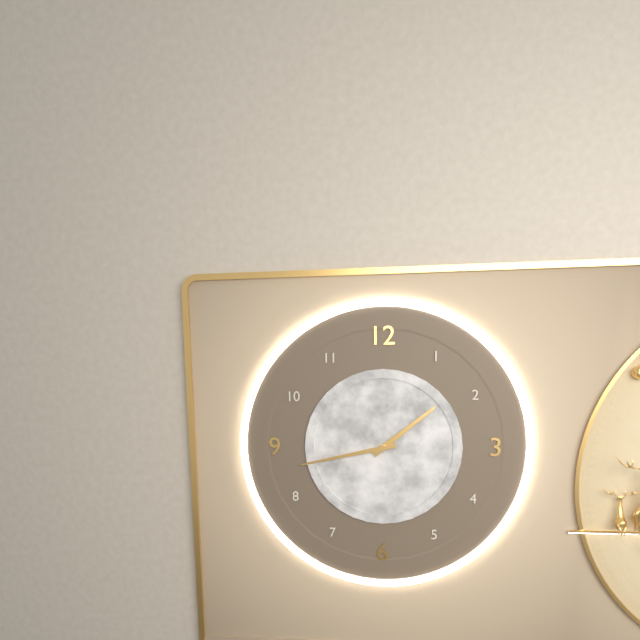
1:43
